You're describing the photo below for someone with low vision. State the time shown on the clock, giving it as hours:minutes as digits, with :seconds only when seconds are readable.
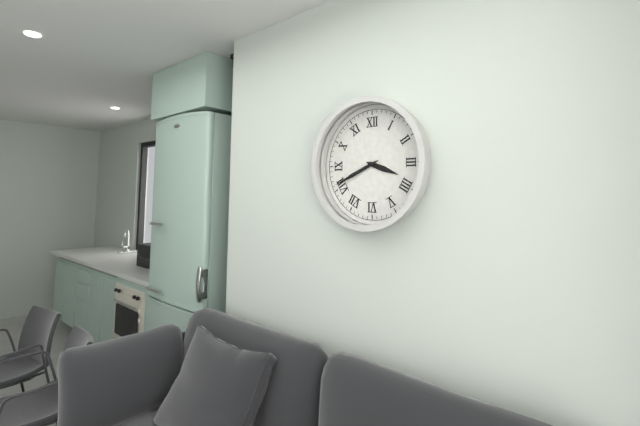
3:41
